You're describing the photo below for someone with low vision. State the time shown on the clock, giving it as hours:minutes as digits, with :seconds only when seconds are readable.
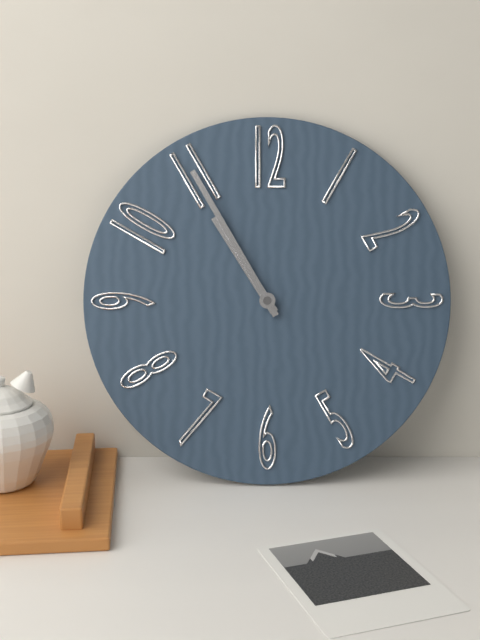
10:55
